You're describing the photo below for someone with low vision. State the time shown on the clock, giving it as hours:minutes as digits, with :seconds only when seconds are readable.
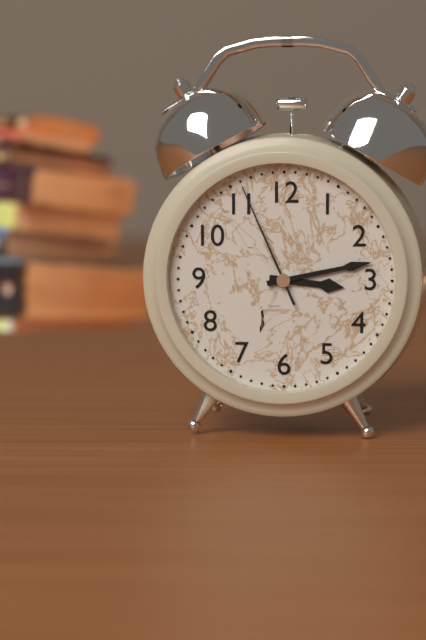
3:13:56
